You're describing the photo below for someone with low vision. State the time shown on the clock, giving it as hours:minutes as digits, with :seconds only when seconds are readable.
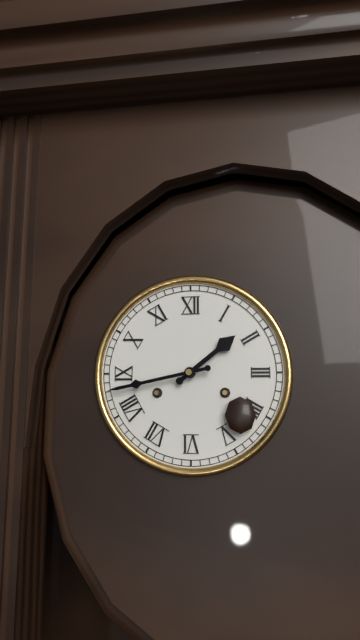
1:43
